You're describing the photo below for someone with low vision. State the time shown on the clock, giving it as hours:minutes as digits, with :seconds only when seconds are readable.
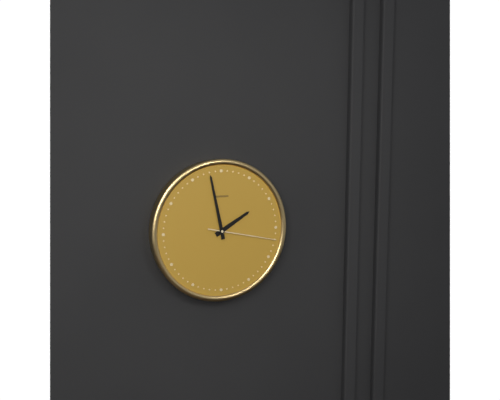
1:58:17
